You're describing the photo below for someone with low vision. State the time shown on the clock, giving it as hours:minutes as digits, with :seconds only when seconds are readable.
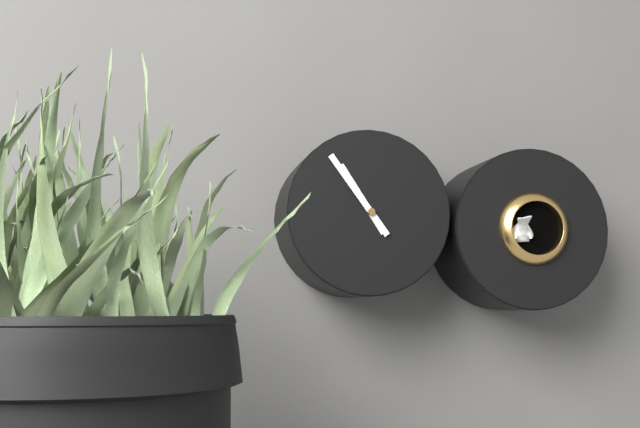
10:54
